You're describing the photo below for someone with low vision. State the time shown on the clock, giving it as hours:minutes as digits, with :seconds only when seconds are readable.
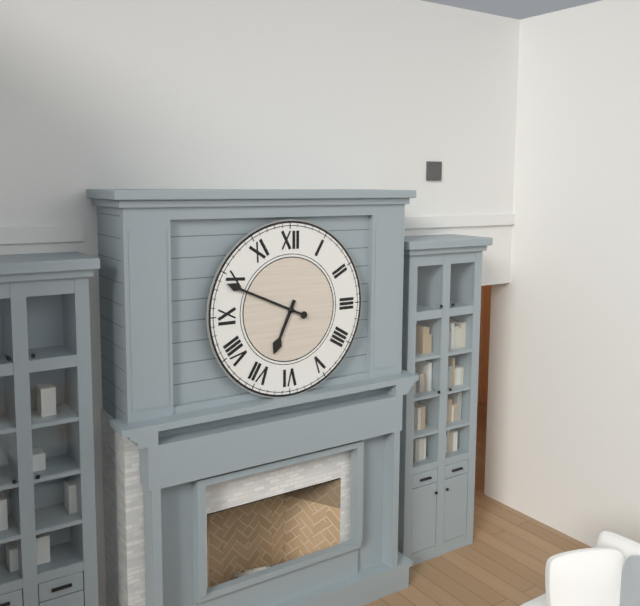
6:49
